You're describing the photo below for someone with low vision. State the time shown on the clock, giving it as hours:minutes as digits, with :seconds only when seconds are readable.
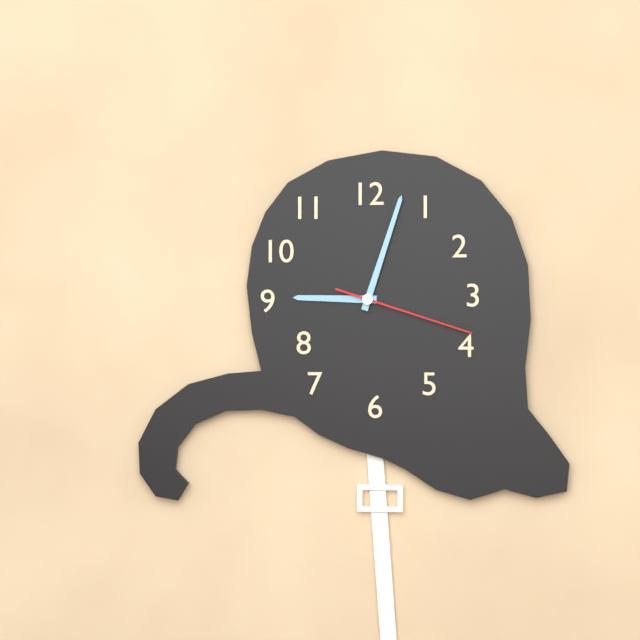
9:03:18
